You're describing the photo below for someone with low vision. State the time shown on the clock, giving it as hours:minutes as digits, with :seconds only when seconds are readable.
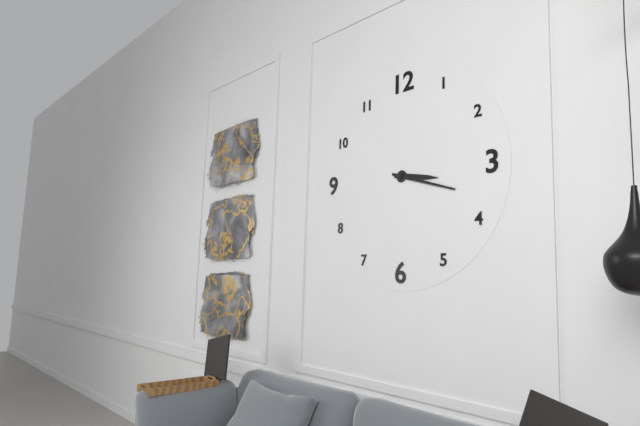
3:18
